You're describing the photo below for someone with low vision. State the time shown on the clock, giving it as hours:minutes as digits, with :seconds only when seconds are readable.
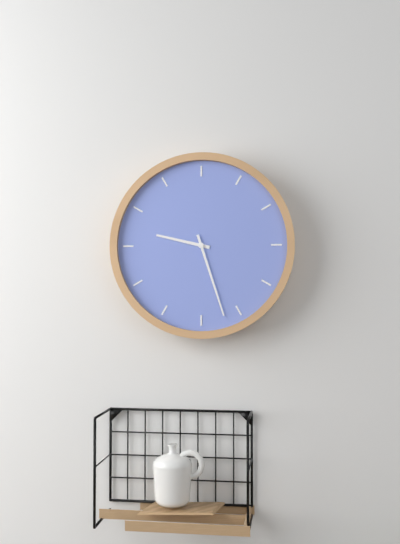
9:27
